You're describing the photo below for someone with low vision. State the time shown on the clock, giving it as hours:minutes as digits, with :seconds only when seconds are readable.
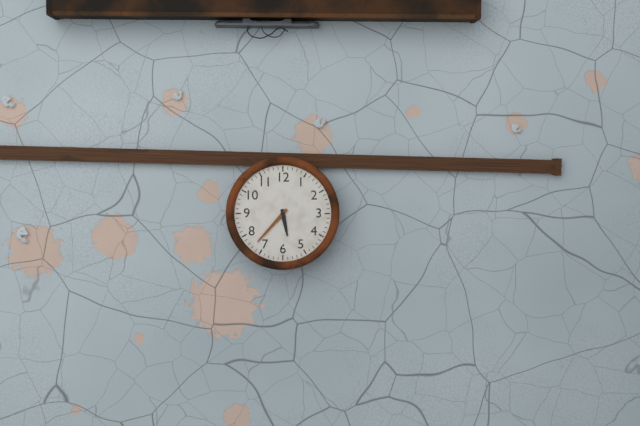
5:37
